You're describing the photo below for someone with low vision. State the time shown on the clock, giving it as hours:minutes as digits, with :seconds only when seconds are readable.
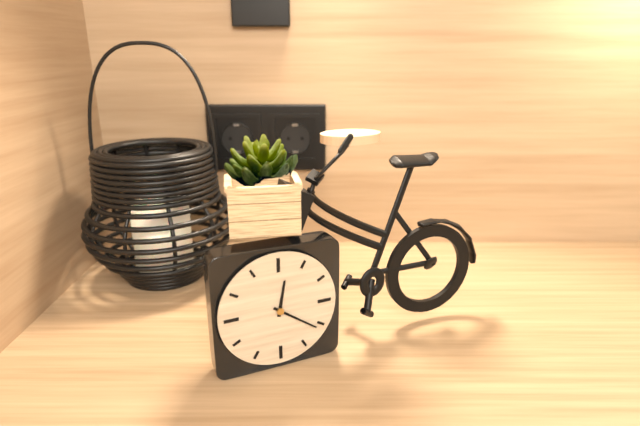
12:21
